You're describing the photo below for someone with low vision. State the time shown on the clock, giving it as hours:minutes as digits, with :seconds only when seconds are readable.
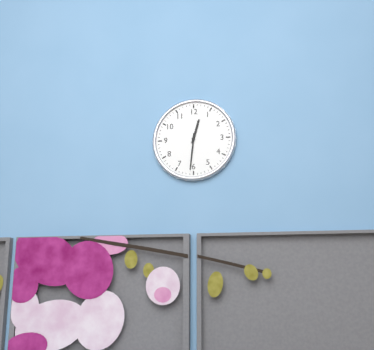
12:31
